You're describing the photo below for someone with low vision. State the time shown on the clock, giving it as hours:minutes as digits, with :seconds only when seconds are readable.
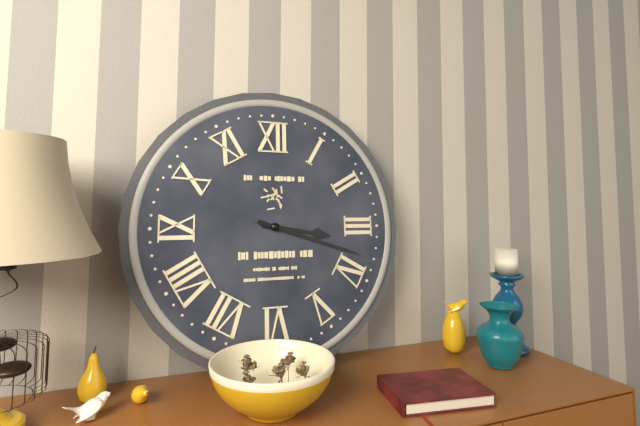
3:18
